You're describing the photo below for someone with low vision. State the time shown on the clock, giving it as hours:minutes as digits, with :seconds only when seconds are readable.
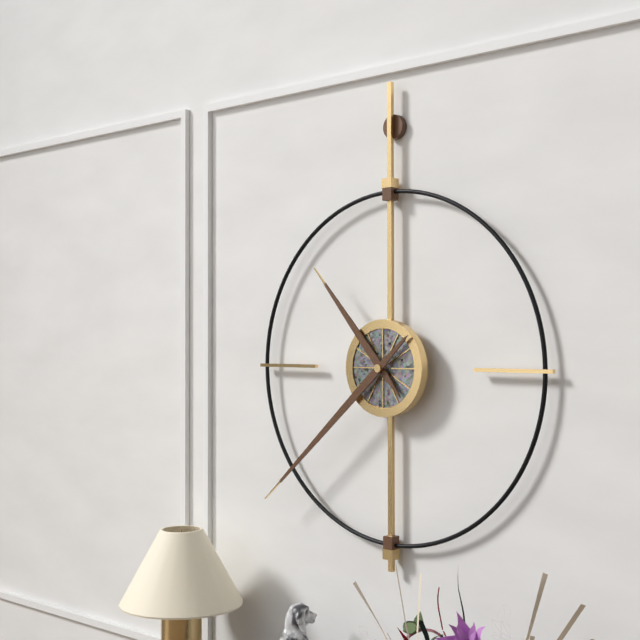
10:38
